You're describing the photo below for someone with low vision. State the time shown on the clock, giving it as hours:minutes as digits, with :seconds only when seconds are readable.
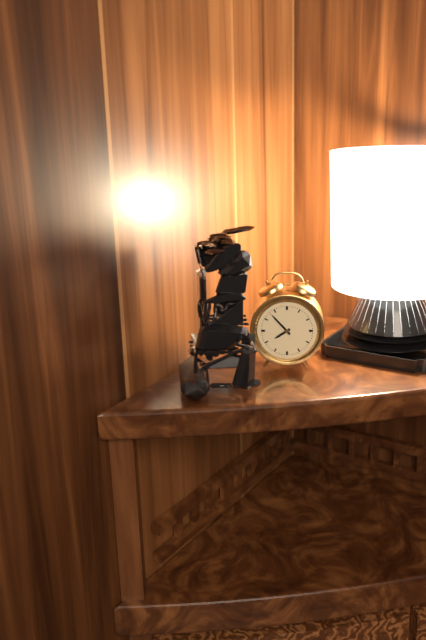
7:53
